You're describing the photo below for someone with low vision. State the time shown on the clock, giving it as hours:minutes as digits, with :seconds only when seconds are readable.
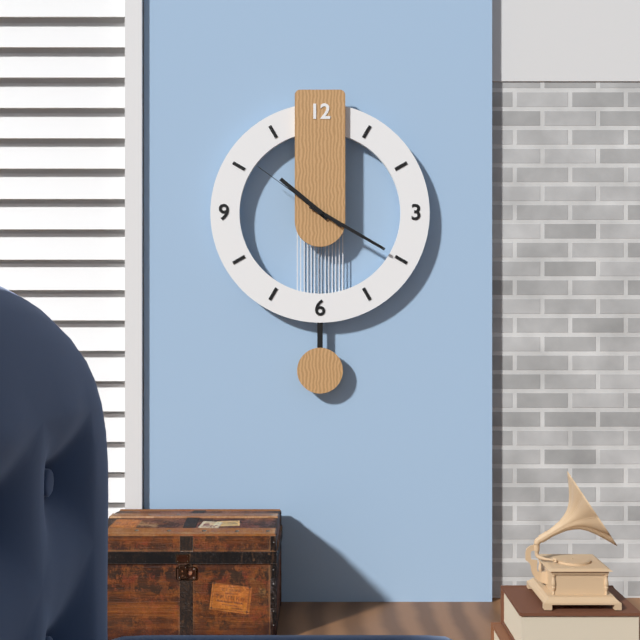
10:20:51
